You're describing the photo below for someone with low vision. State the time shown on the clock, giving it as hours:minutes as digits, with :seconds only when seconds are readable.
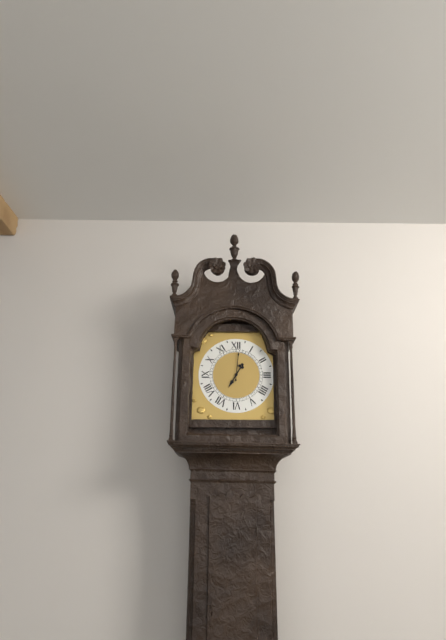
7:01
